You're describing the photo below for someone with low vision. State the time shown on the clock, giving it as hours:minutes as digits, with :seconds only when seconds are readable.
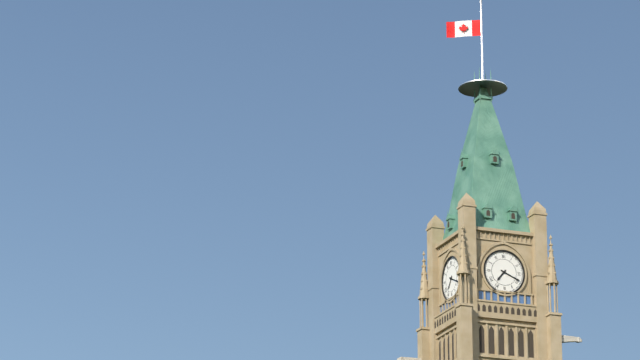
7:19
